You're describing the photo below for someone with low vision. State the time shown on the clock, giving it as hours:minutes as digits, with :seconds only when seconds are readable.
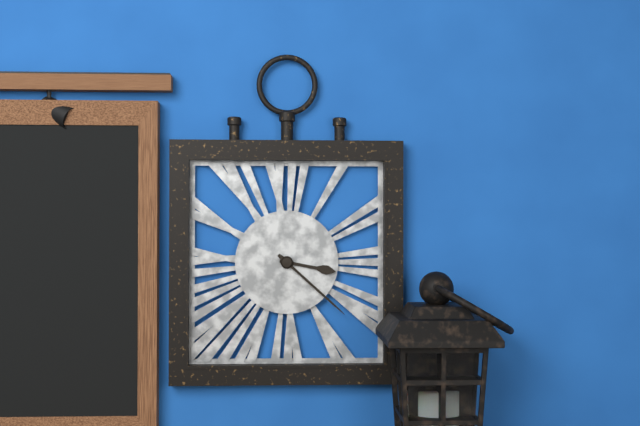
3:22
